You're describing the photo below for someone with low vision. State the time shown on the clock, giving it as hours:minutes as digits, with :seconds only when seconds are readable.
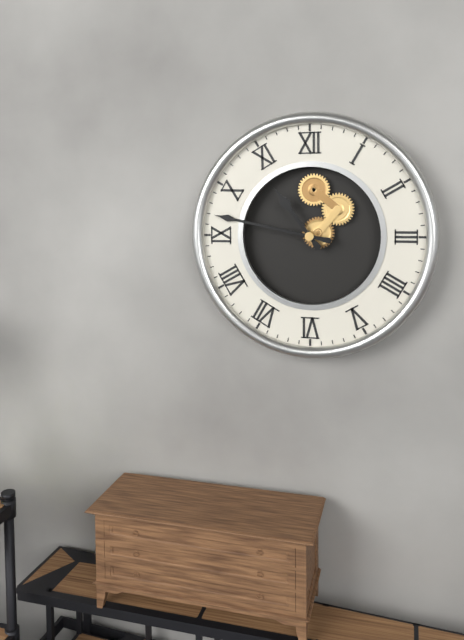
10:47
